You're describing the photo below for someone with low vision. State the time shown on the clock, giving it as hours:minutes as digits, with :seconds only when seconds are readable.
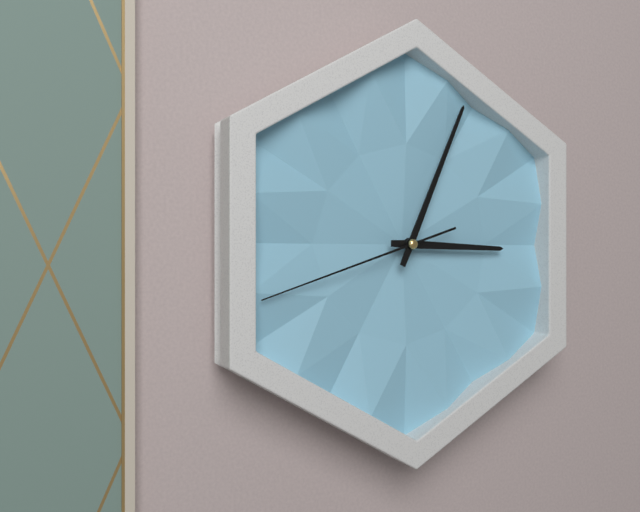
3:04:42
